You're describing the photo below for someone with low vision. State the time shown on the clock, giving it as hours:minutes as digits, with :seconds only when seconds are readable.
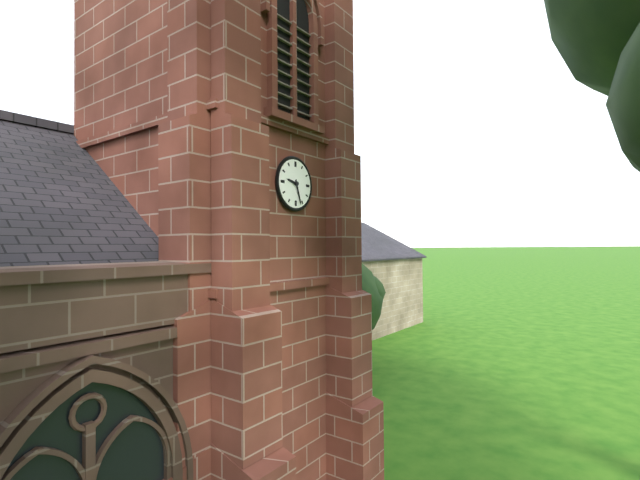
9:27
